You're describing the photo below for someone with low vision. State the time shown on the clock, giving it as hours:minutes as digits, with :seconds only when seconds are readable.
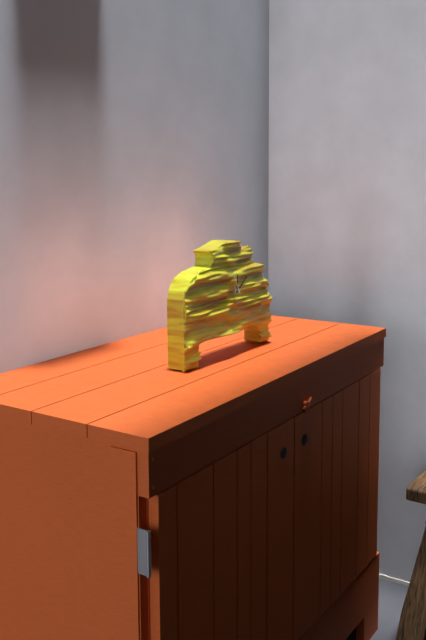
12:09
